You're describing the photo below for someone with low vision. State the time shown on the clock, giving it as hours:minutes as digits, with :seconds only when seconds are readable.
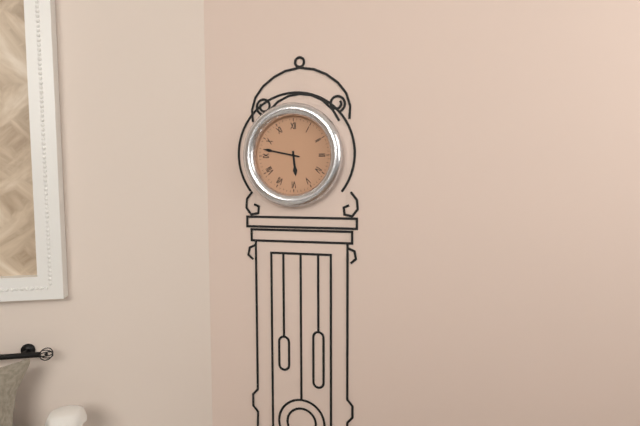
5:47
